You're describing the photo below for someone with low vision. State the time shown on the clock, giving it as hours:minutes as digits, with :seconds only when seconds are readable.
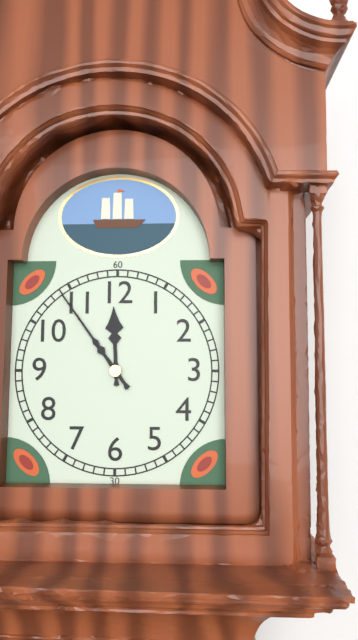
11:54
